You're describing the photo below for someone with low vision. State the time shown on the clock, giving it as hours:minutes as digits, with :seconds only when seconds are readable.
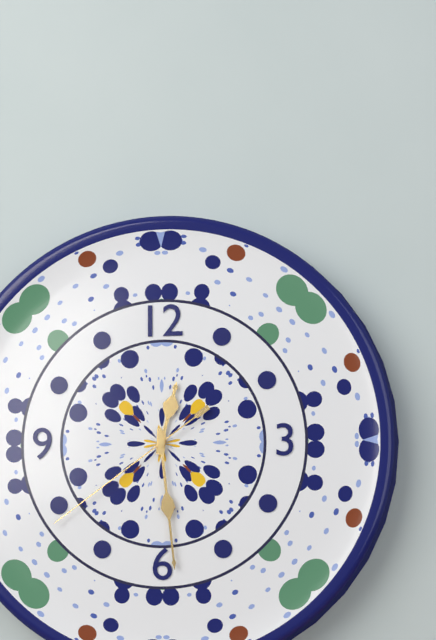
12:29:39
